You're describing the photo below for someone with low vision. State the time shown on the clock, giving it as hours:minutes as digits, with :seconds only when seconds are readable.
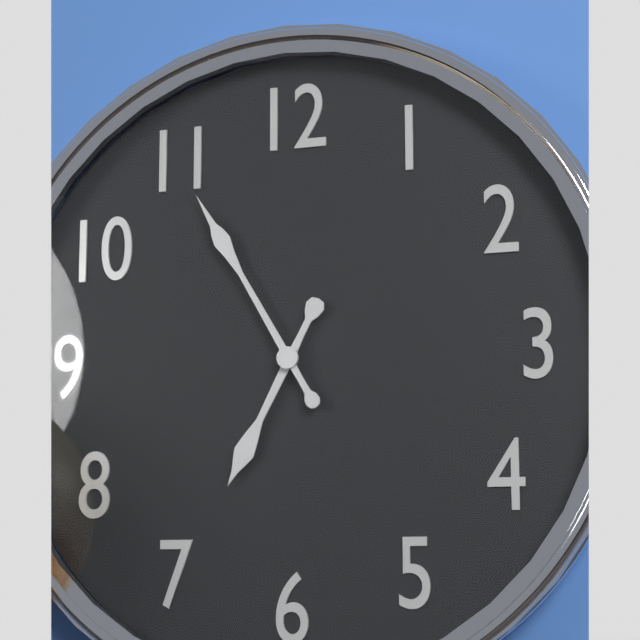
6:55
